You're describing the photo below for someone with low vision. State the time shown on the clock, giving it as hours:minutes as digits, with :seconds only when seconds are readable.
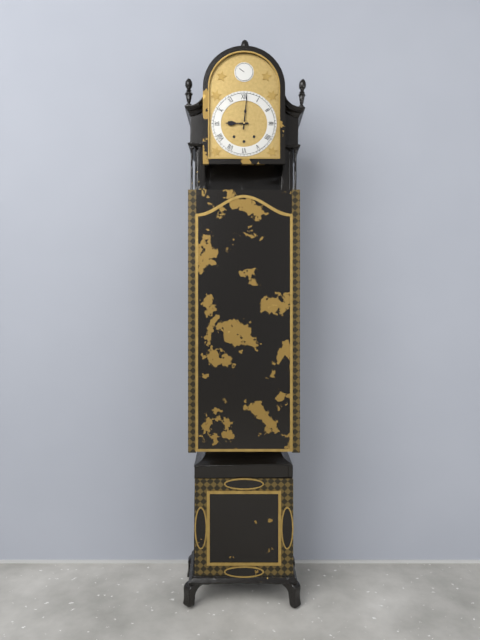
9:01
